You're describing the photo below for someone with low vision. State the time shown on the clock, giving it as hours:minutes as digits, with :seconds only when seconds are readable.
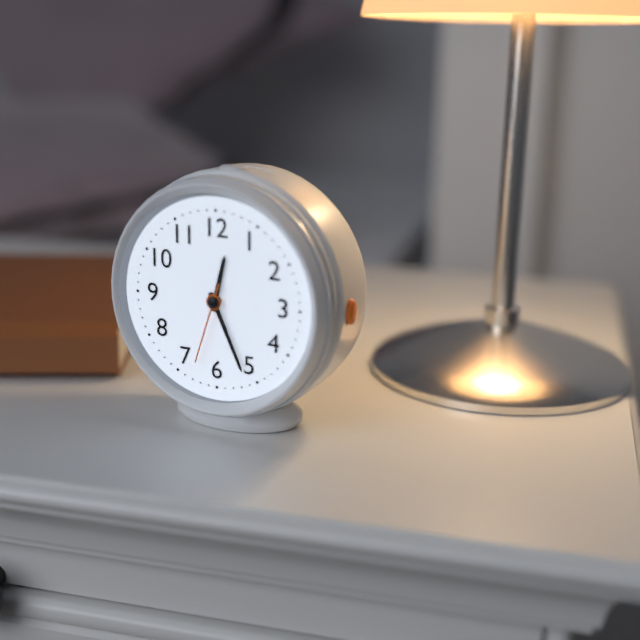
12:26:33
